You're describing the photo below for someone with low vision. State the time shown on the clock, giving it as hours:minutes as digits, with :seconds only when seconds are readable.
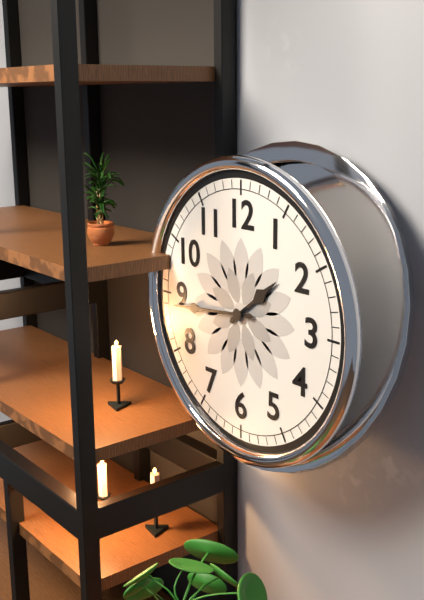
1:44
